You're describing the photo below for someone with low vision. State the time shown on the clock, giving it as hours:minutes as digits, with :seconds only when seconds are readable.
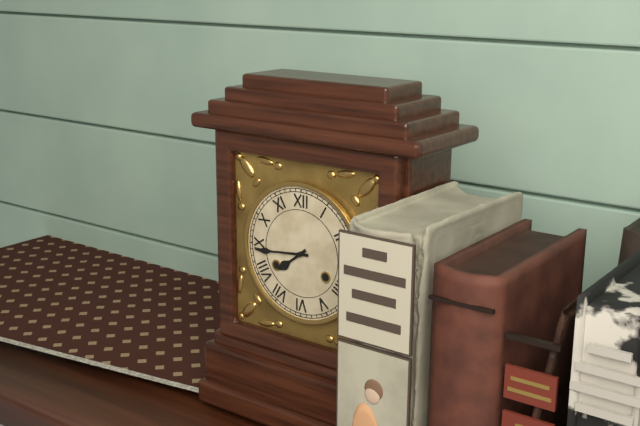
7:44
